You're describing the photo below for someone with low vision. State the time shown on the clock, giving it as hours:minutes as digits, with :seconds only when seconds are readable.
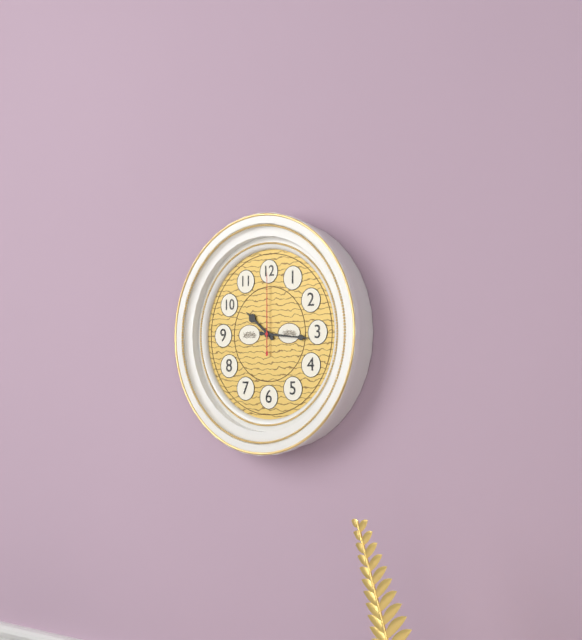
10:16:00
